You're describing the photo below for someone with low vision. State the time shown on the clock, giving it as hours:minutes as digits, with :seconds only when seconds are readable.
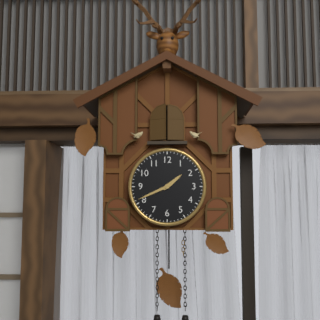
1:41
